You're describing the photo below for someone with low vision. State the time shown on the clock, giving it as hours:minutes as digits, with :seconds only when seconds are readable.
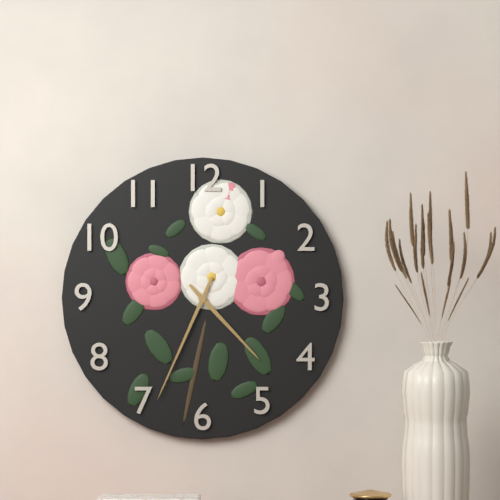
4:34
